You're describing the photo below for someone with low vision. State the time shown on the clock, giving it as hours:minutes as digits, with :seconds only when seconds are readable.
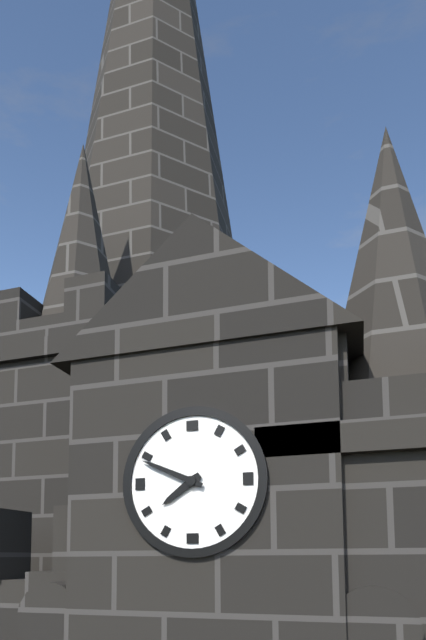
7:49
